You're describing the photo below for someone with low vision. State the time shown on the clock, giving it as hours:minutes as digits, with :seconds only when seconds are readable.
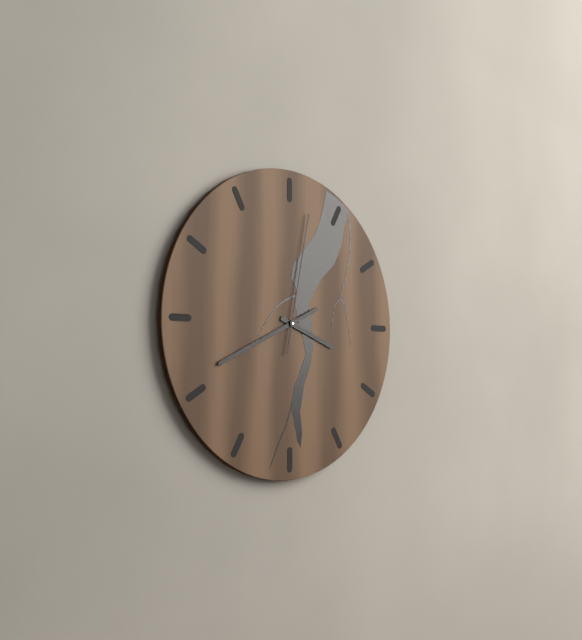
3:41:02
